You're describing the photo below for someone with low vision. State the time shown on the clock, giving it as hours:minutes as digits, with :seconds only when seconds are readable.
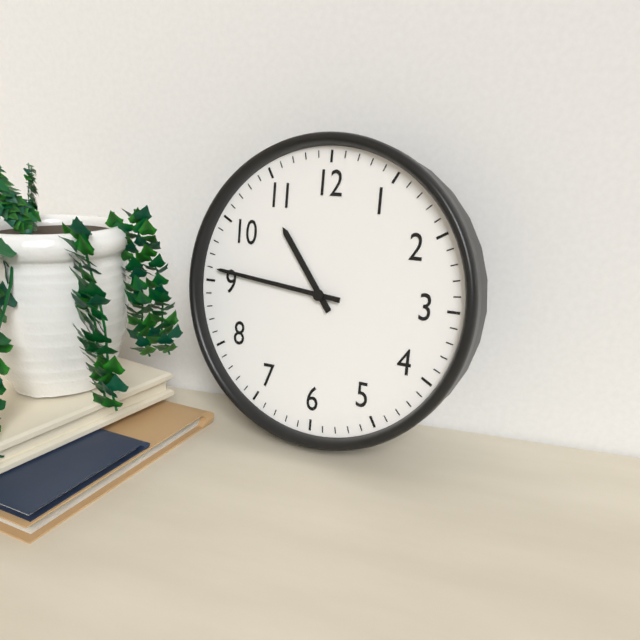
10:46
